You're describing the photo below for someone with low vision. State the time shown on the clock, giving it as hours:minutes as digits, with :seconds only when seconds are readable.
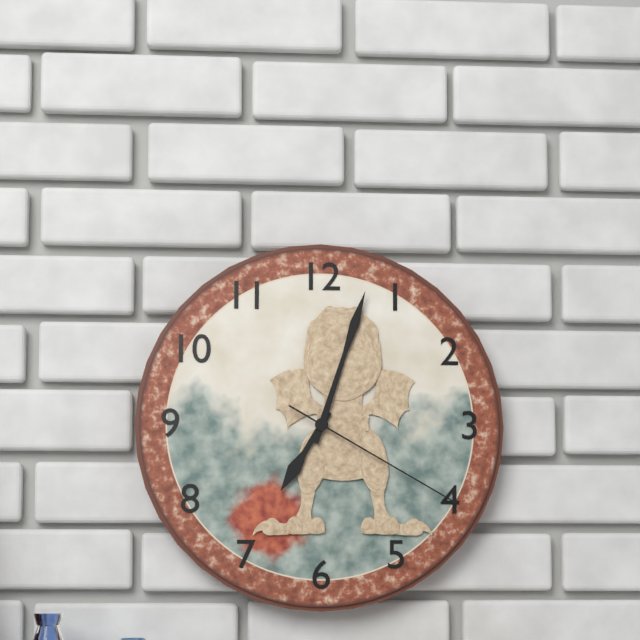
7:03:20
